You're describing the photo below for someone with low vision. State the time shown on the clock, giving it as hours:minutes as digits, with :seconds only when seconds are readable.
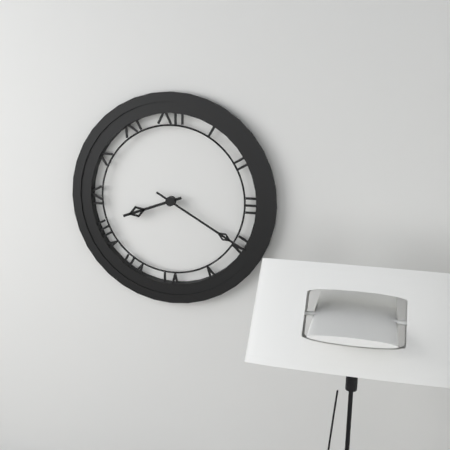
8:20
